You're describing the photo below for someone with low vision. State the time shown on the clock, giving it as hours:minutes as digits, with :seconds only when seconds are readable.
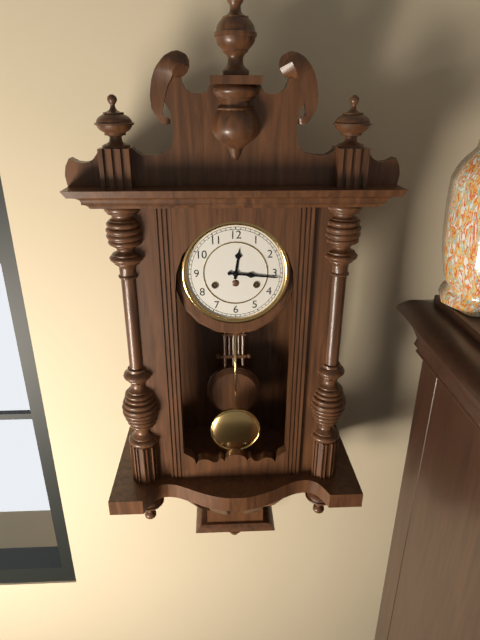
12:16
